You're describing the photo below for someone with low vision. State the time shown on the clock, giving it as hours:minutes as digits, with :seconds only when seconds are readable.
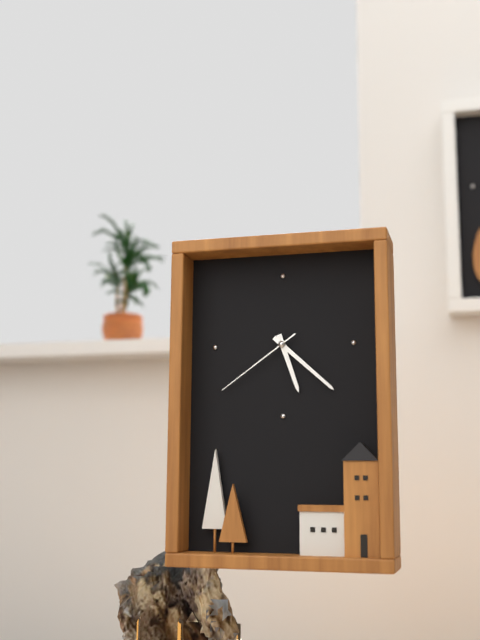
5:22:39
